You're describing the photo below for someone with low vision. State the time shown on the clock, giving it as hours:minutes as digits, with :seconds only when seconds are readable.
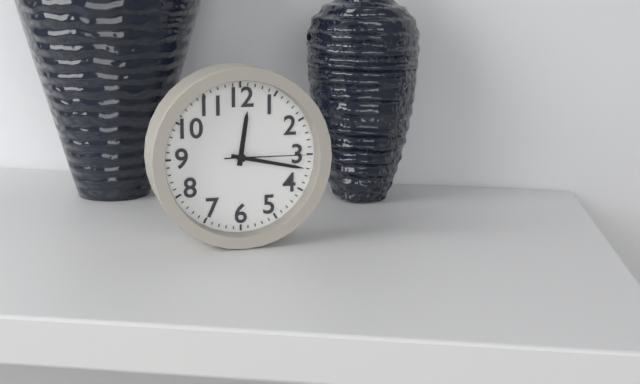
12:17:15
